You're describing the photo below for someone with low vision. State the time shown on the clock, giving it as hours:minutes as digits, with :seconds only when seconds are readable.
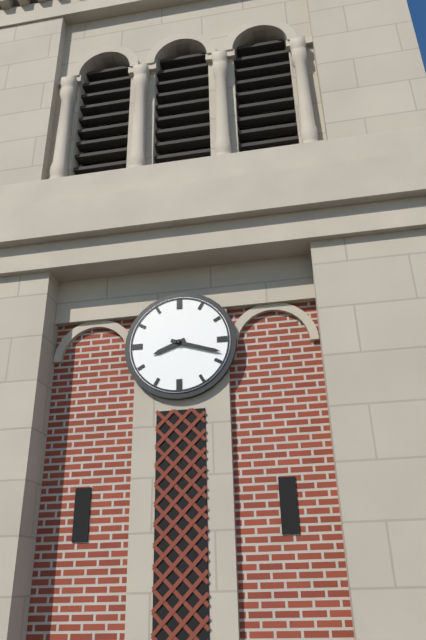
8:18
